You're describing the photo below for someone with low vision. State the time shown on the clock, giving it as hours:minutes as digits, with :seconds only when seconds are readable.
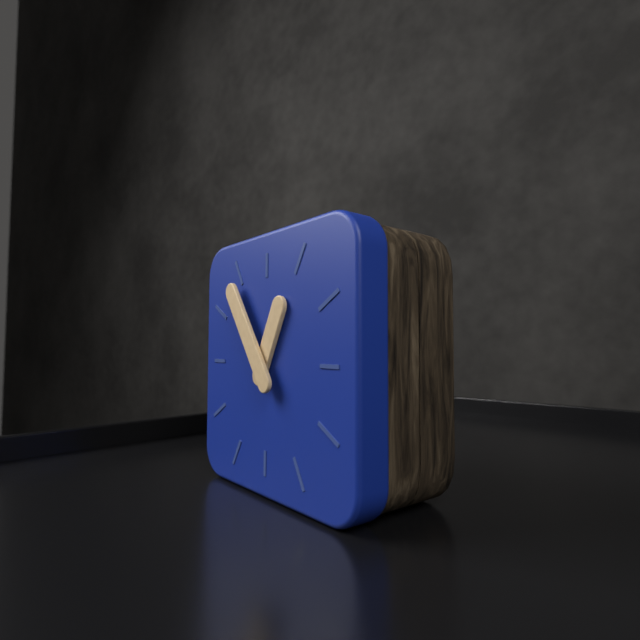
12:54
